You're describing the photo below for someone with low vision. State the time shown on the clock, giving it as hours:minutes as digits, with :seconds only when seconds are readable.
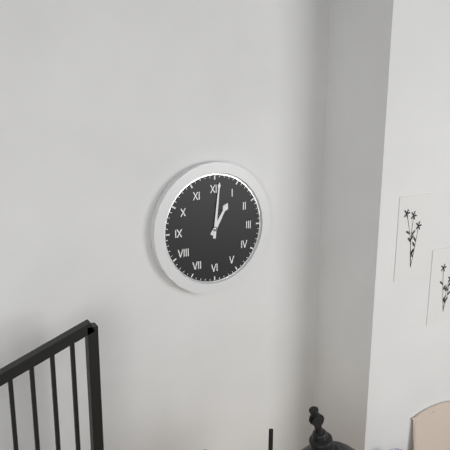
1:01
